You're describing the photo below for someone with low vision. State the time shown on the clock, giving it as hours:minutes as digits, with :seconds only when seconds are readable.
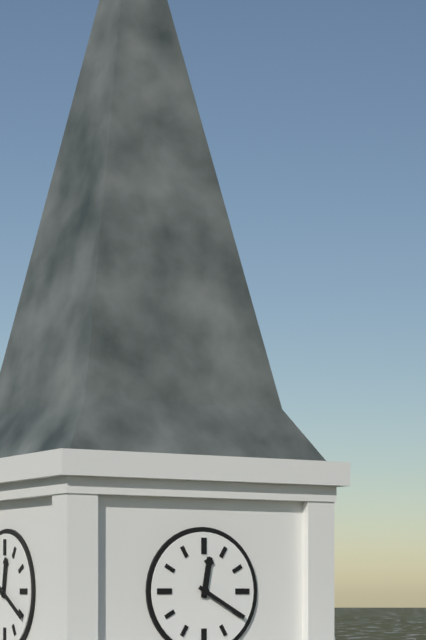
12:20
